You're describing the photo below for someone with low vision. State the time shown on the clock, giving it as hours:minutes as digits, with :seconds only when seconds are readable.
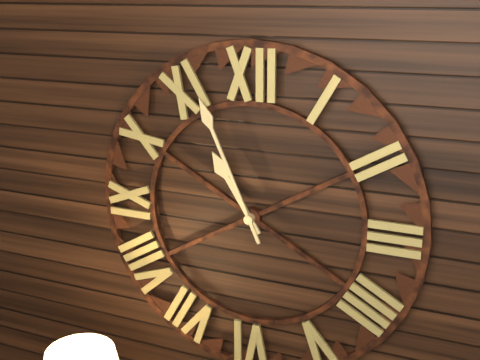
10:56
